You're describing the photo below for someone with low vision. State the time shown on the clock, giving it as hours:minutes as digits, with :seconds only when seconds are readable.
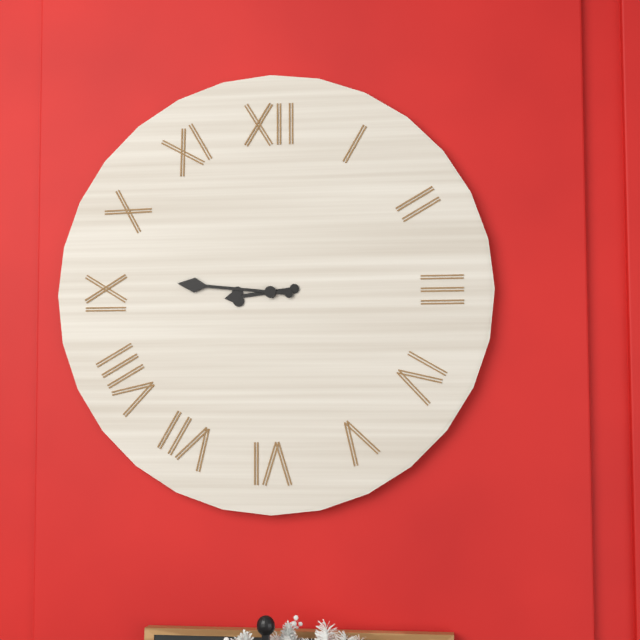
8:46
